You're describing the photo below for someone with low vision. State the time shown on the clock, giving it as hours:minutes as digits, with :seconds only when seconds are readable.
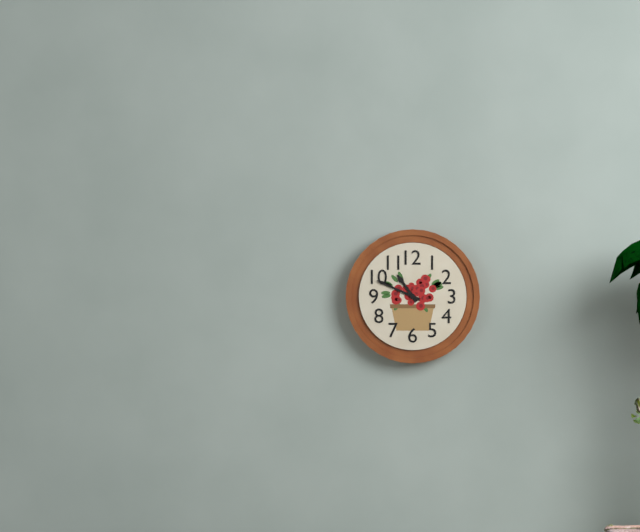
10:49
